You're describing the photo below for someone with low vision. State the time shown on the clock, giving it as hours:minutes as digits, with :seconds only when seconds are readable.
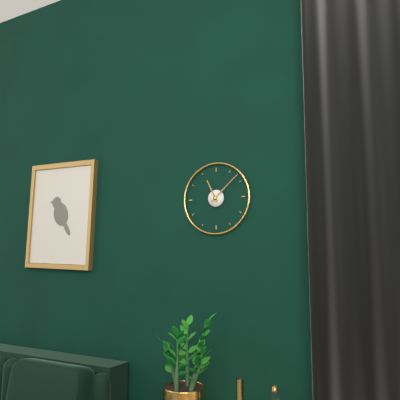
11:08
